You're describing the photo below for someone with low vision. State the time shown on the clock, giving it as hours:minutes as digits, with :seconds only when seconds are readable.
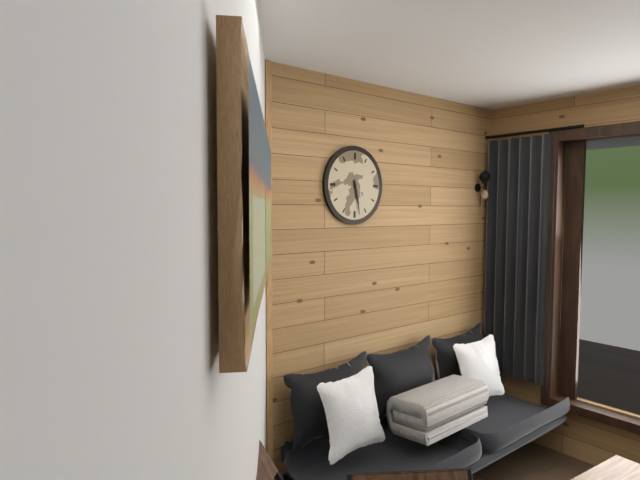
5:28
